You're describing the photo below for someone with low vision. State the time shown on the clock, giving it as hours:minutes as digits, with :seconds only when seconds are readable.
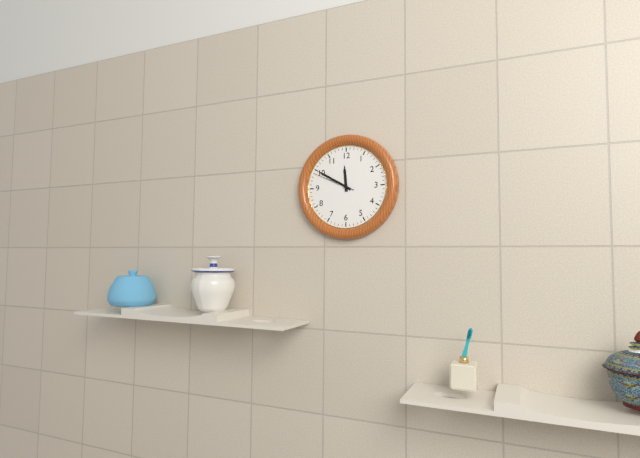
11:50
